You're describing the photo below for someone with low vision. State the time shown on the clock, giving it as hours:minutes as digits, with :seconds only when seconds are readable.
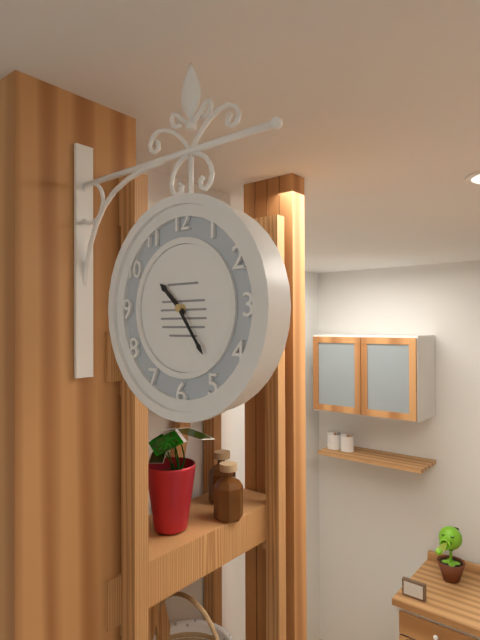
10:24
